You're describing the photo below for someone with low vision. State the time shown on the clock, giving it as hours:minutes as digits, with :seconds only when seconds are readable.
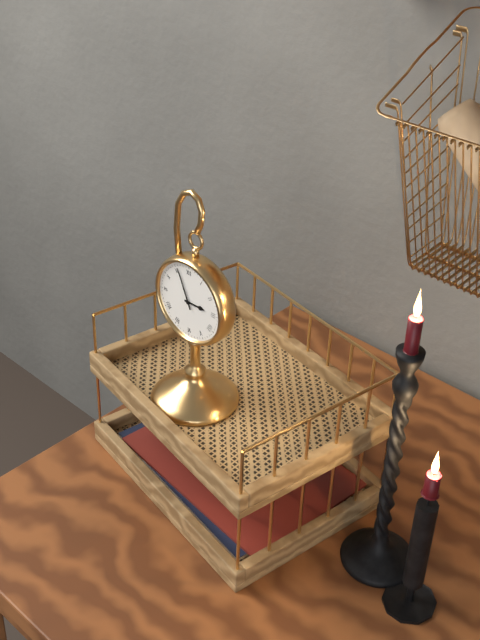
2:56
